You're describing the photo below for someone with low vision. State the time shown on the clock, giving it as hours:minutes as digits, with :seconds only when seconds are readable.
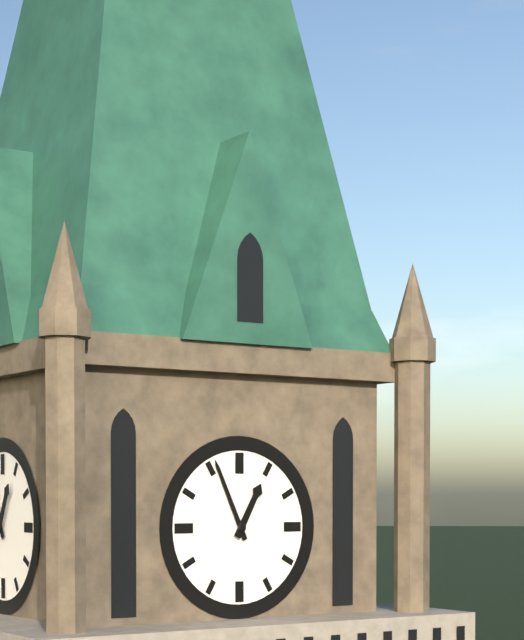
12:56
